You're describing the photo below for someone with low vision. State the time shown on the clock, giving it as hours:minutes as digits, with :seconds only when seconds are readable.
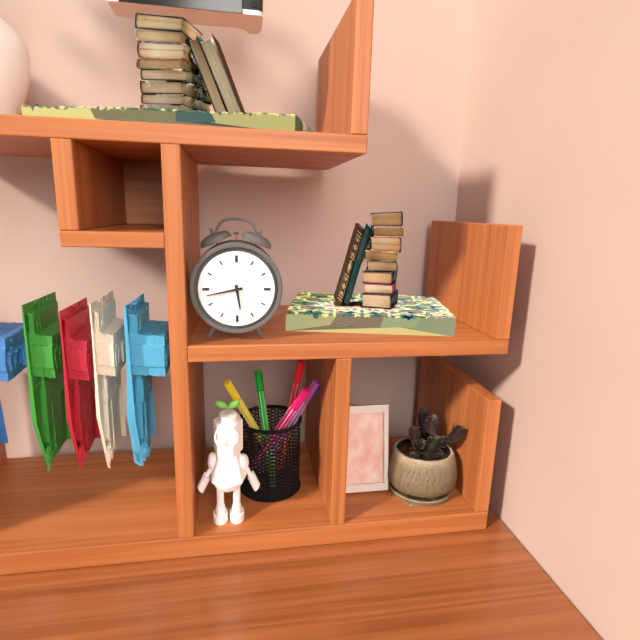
5:43
